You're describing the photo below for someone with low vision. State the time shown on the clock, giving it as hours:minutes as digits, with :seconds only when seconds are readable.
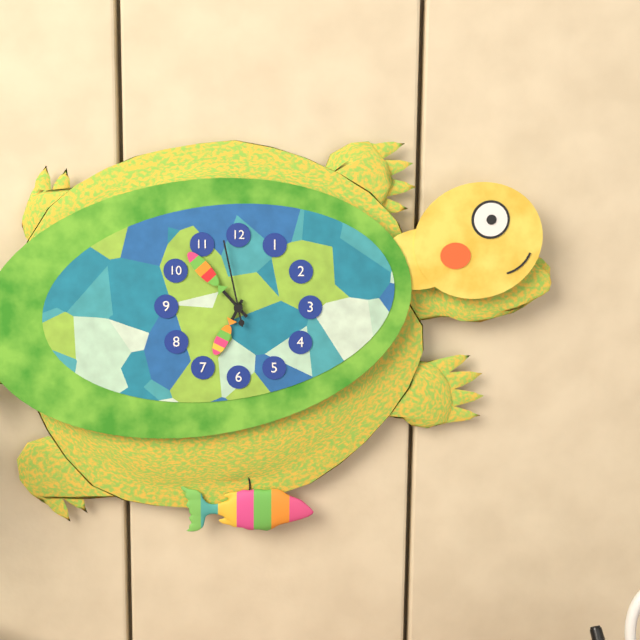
6:53:58
